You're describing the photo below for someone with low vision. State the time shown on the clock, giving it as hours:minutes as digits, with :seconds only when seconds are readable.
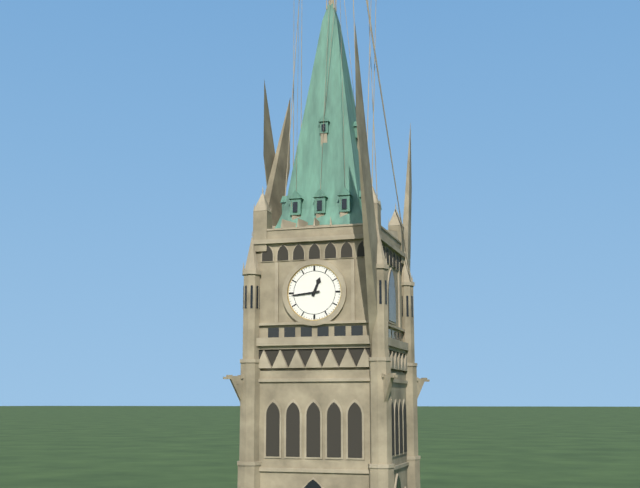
12:44
